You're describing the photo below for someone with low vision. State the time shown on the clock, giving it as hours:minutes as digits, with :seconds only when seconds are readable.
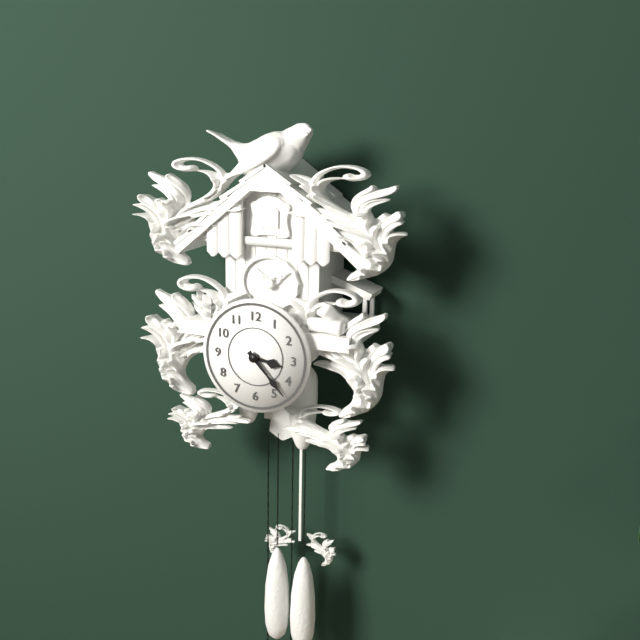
3:23
